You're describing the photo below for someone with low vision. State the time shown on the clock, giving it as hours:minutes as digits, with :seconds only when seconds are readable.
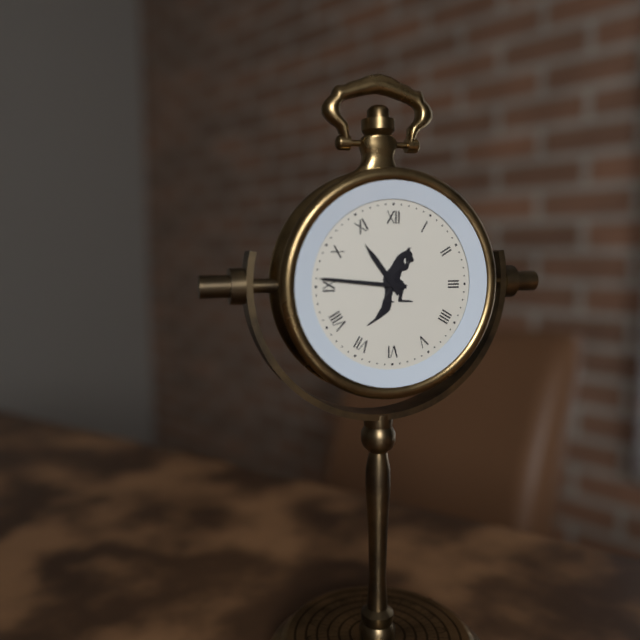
10:46
